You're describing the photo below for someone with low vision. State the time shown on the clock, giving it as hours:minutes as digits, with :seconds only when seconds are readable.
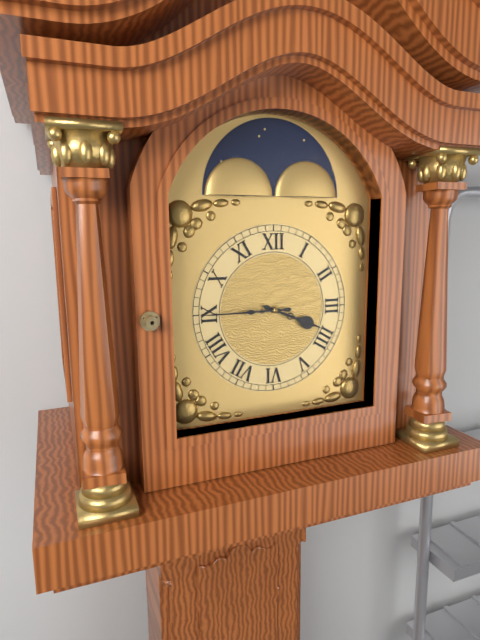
3:45
